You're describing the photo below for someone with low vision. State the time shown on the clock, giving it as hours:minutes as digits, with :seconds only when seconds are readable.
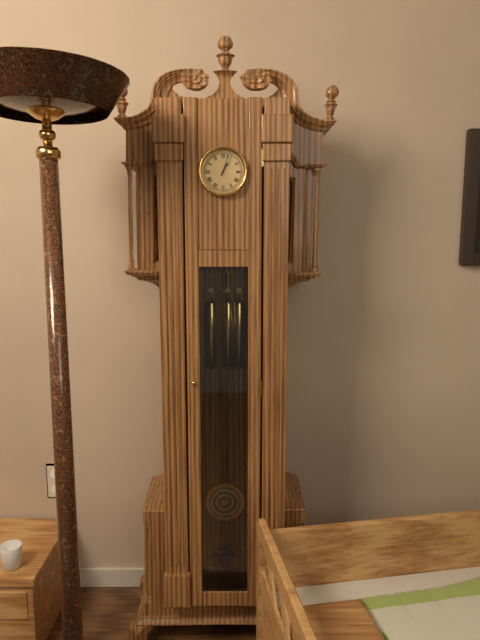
1:03
